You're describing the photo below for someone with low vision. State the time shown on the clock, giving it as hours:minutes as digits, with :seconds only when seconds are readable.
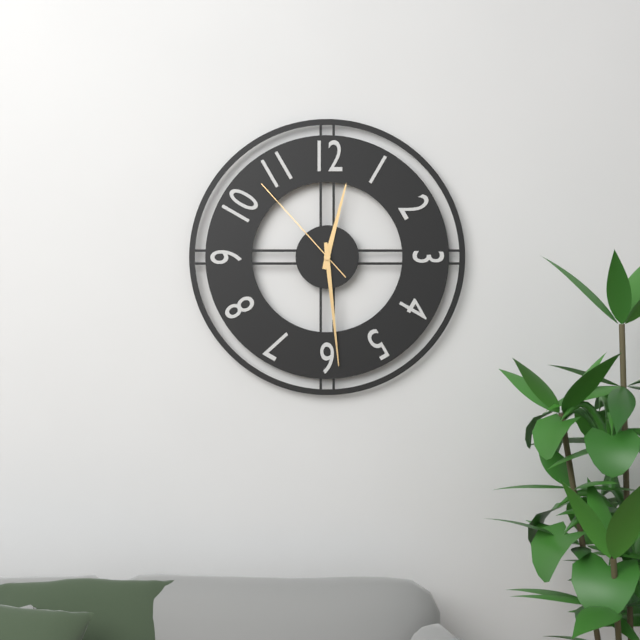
12:29:53
